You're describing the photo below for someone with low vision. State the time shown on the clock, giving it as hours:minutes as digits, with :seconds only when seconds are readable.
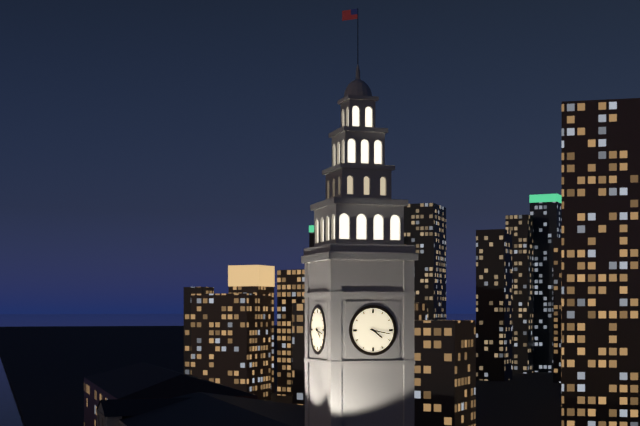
4:17
